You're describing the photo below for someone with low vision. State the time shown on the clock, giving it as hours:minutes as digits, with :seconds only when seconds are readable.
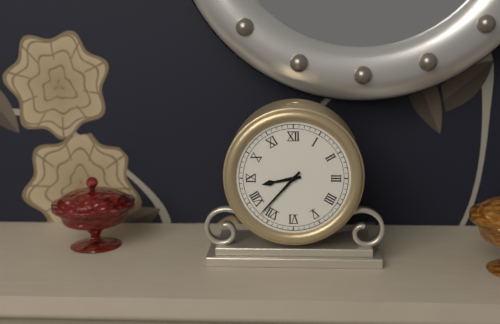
8:37
